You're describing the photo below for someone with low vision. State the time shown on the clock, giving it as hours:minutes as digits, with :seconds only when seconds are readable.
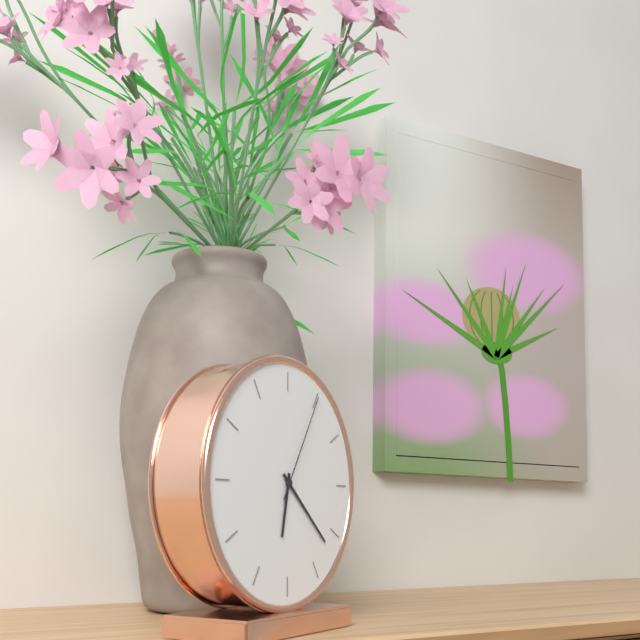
6:22:05
